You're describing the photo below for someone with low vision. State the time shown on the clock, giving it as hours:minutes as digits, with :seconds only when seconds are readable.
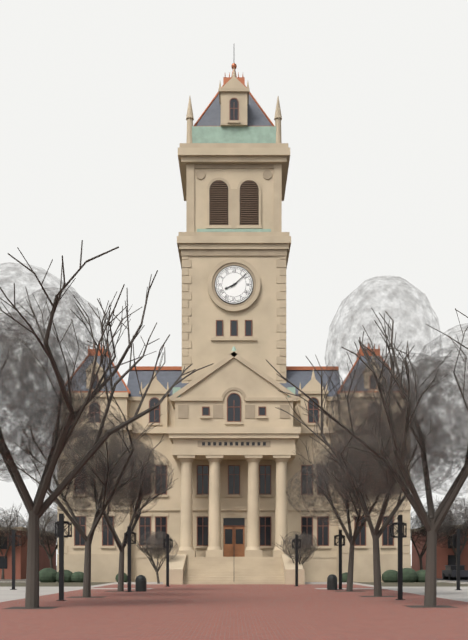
8:08
